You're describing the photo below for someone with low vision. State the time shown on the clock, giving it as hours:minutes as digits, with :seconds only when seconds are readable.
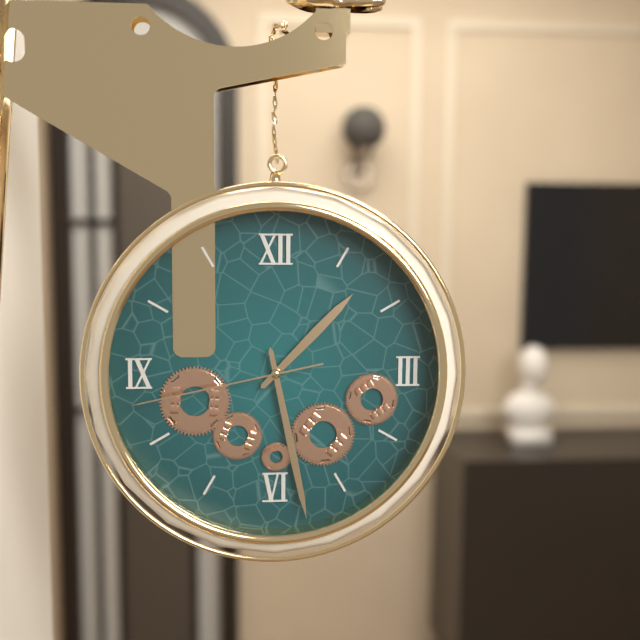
1:28:43
